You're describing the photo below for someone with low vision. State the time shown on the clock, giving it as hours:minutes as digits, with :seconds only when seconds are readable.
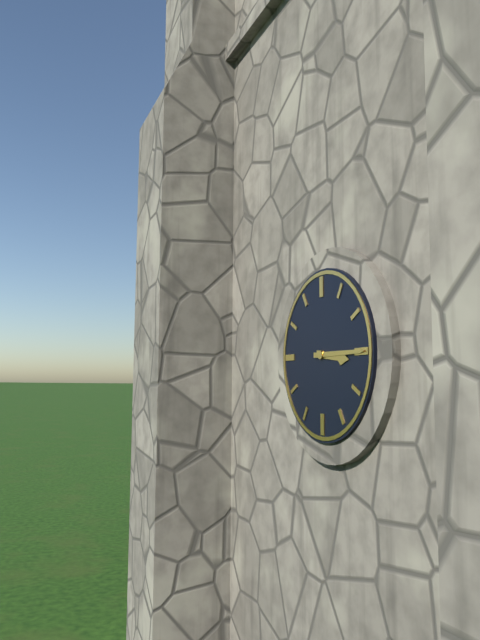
3:15
